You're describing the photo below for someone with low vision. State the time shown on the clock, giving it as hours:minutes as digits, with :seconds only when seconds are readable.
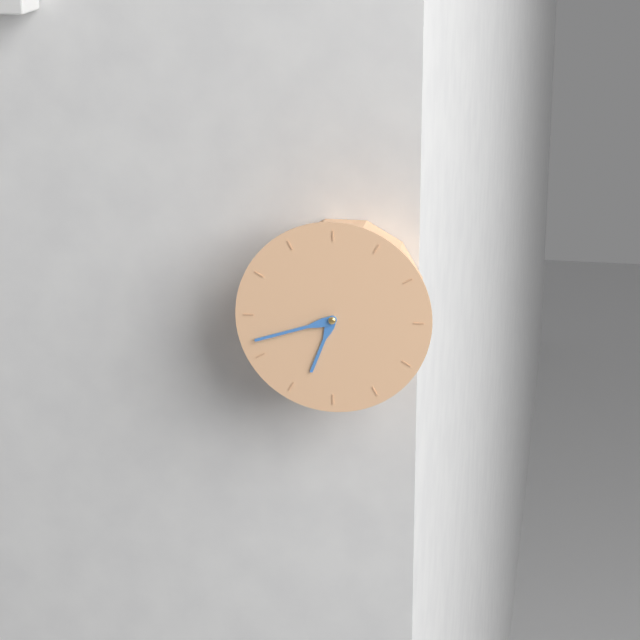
6:42
